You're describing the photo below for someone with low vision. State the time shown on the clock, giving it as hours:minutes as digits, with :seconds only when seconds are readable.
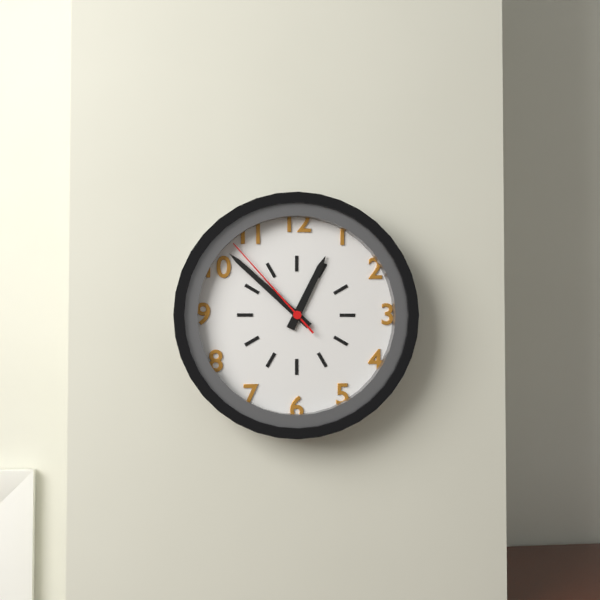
12:52:53
